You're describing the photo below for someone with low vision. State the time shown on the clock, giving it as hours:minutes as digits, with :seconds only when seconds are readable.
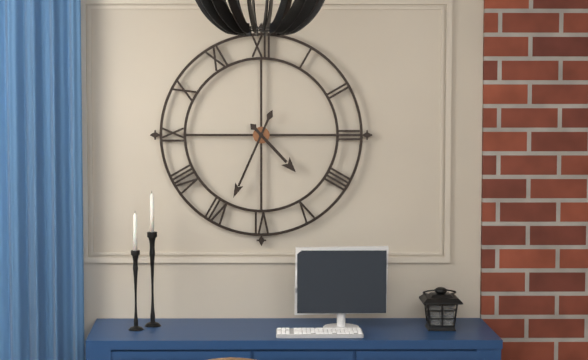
4:34
